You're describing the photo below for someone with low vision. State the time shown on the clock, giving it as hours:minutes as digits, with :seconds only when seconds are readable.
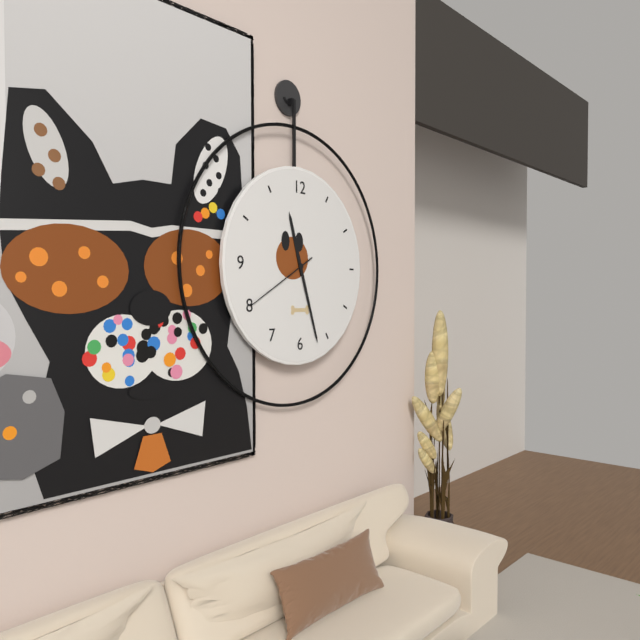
11:27:40
